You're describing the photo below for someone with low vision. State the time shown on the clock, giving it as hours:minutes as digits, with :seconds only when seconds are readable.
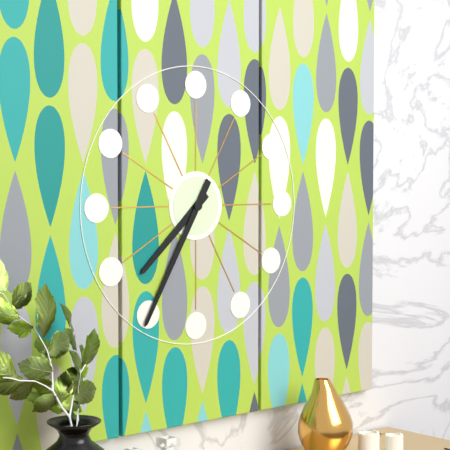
7:35
